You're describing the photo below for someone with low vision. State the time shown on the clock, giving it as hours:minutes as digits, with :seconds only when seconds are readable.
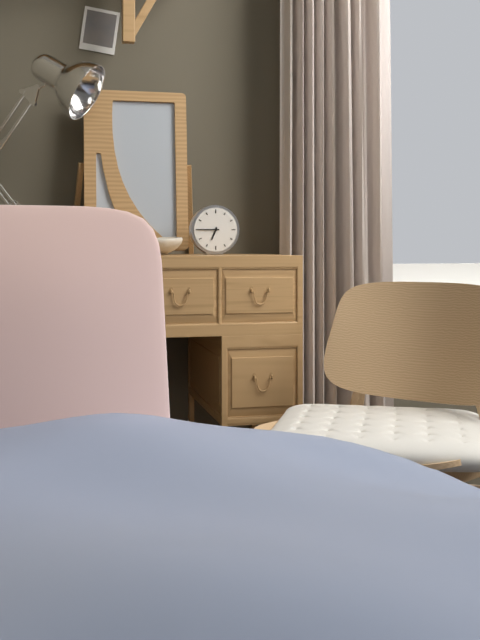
6:45
